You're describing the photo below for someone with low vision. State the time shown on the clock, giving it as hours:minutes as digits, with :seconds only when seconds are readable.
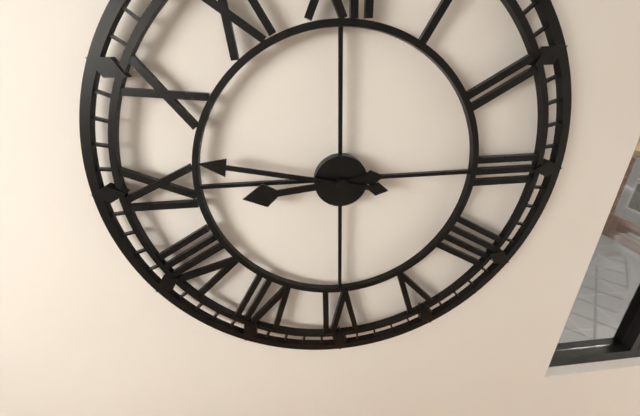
8:47
